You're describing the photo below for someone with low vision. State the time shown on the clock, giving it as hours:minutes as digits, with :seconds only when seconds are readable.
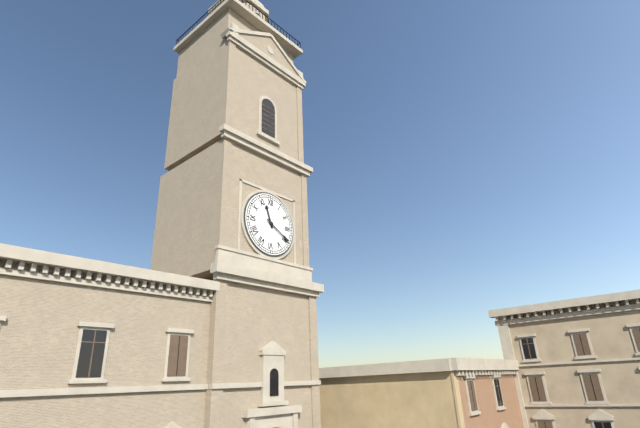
11:20
